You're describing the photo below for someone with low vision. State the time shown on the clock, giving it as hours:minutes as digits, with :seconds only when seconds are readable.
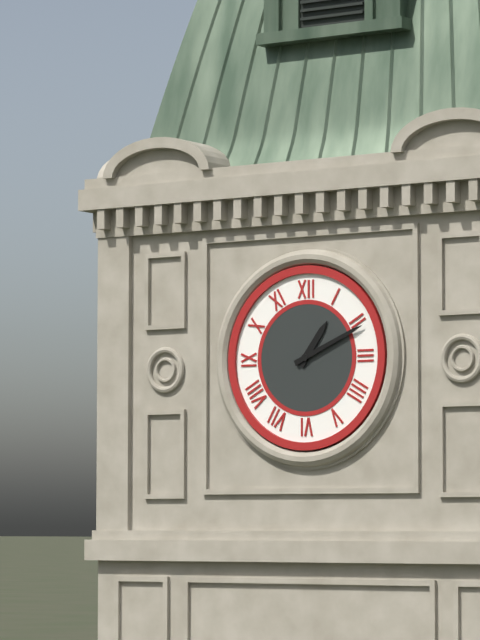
1:11
